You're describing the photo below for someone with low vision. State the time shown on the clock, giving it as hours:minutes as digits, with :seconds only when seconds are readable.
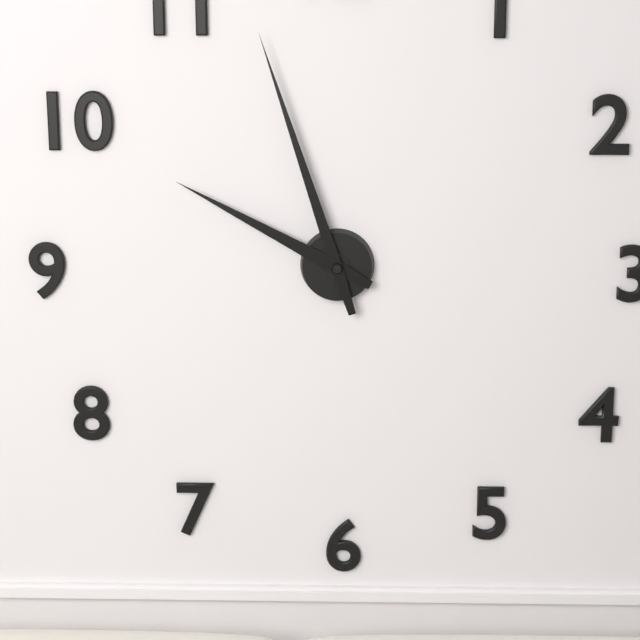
9:57
